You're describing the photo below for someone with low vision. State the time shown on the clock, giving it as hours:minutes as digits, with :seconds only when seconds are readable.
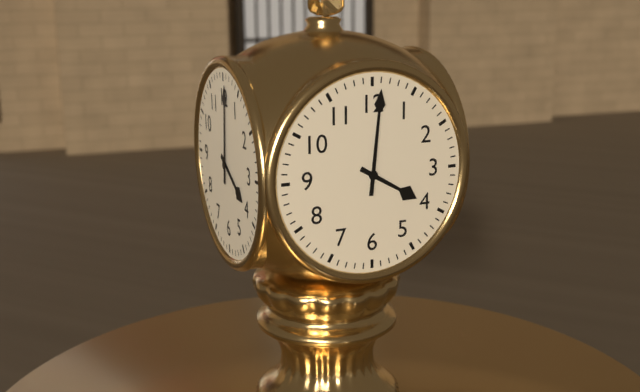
4:01
